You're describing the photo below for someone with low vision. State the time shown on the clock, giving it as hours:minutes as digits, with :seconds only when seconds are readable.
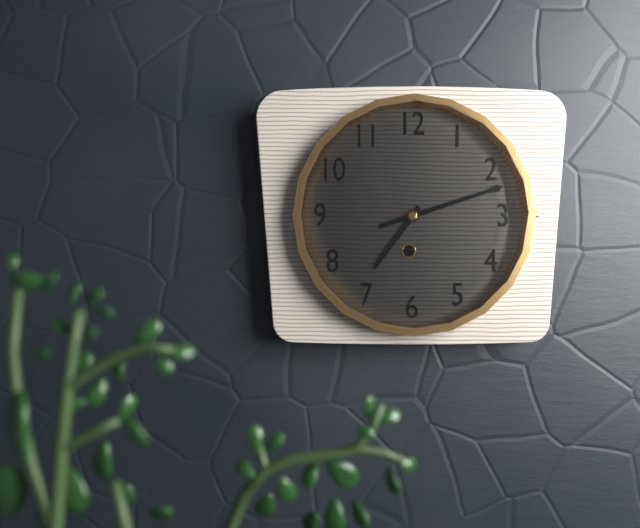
7:12
